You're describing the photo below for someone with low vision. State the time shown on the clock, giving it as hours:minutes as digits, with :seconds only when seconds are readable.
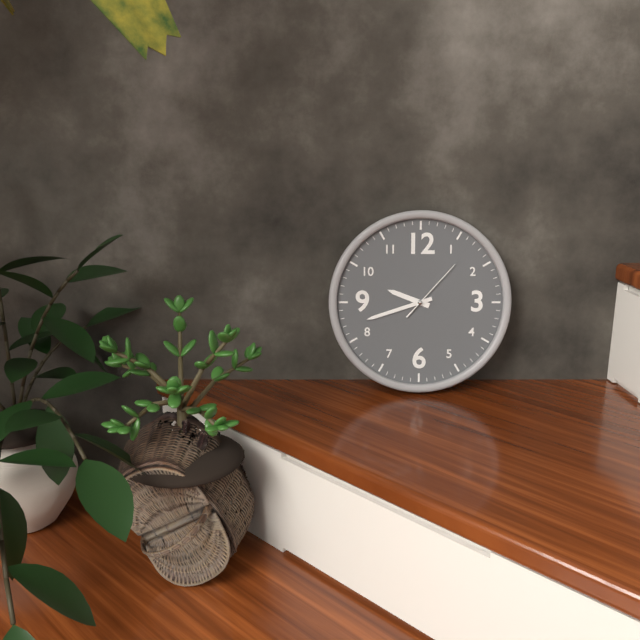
9:42:07
